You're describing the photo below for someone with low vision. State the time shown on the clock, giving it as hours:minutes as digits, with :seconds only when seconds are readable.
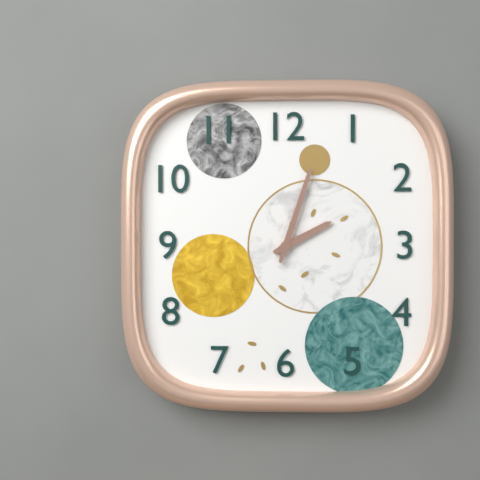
2:03
